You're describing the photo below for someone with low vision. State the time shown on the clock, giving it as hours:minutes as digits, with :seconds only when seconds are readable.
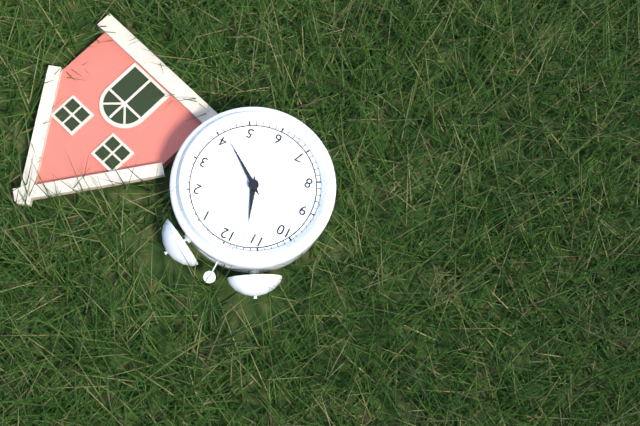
11:21
